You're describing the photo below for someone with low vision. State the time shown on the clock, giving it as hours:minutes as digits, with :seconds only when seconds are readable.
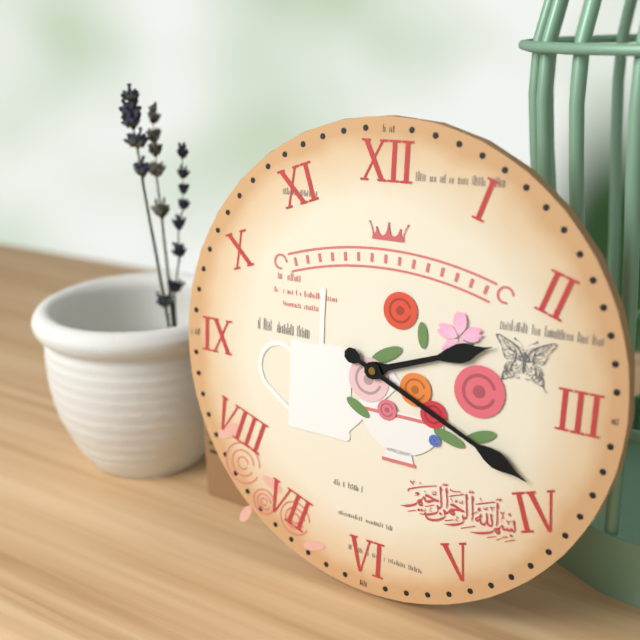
2:19
